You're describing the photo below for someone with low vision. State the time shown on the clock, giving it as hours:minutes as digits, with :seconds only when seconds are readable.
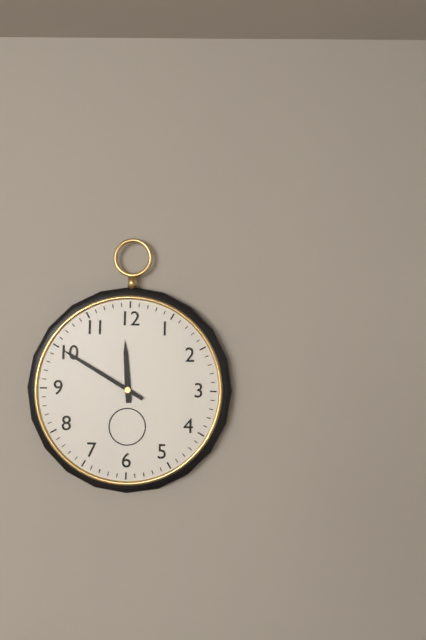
11:50
